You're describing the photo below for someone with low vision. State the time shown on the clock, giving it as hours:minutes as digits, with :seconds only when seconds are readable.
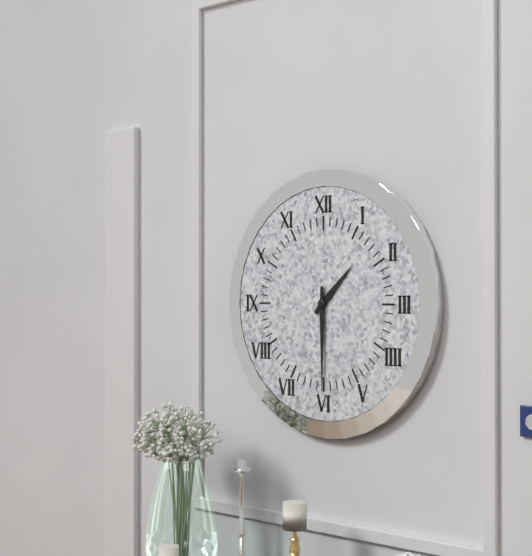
1:30
